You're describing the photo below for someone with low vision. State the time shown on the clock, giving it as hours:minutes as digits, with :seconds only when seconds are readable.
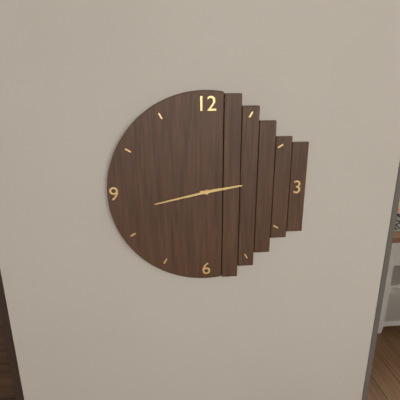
2:43
